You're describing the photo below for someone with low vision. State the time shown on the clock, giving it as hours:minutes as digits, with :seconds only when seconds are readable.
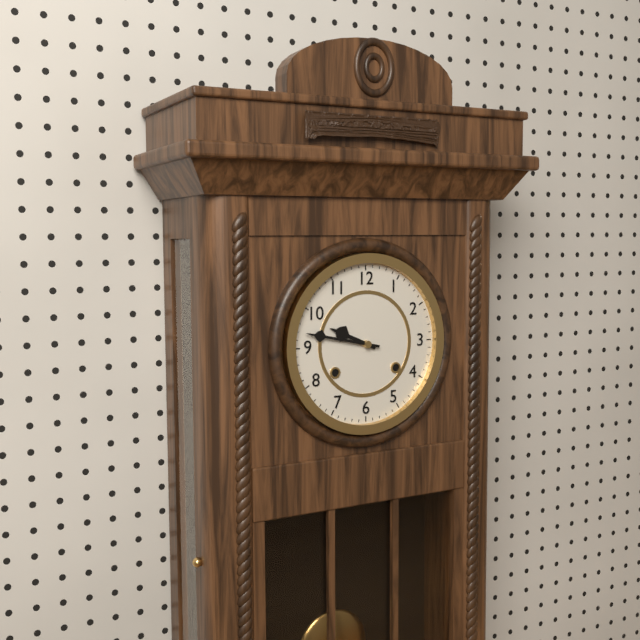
9:47
